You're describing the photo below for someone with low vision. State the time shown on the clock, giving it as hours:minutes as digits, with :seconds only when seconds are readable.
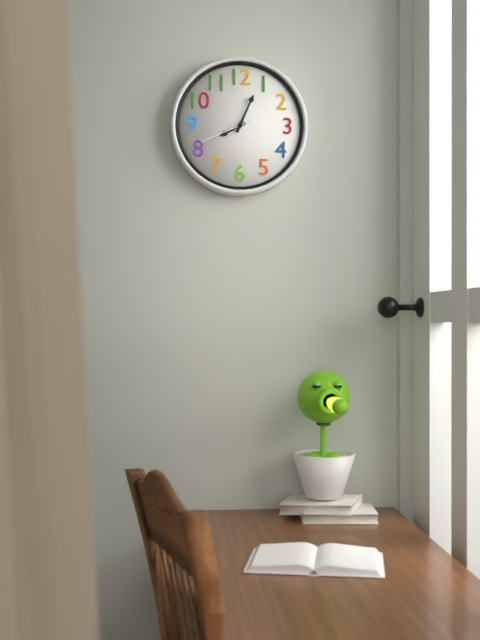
8:04:41
